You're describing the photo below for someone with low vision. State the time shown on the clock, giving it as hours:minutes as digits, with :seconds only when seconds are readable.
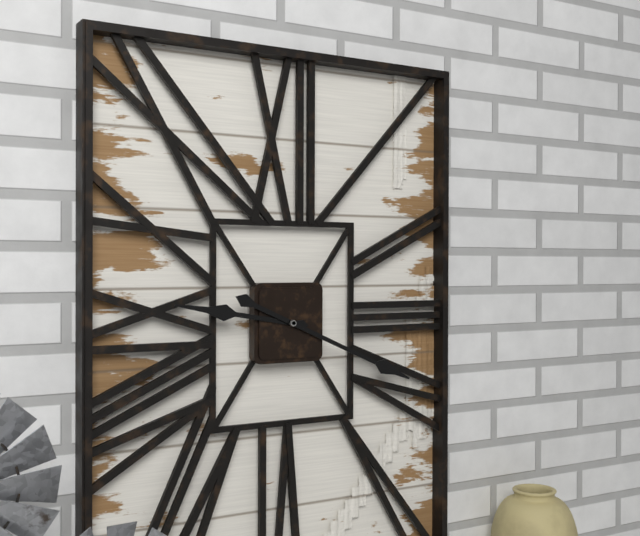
9:19
